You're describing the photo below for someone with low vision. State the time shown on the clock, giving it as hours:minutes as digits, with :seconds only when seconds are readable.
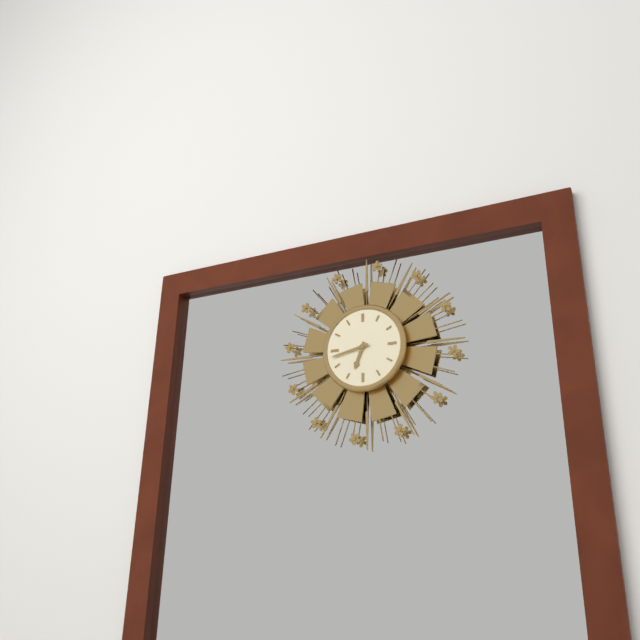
6:43
